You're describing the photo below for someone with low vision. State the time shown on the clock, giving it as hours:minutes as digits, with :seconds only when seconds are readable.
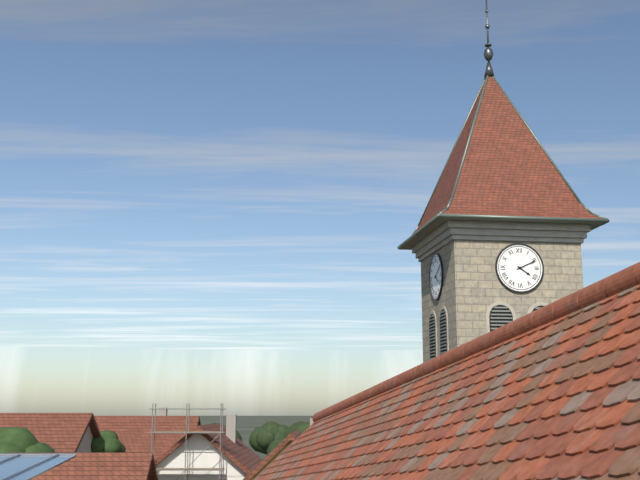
4:11
